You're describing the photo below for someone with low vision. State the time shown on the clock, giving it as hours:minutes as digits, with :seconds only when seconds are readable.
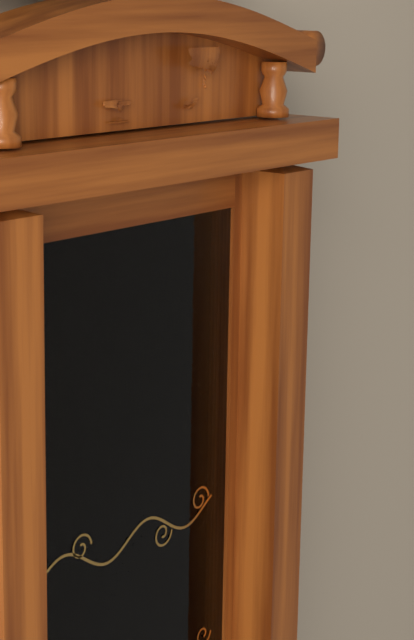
9:54:24
